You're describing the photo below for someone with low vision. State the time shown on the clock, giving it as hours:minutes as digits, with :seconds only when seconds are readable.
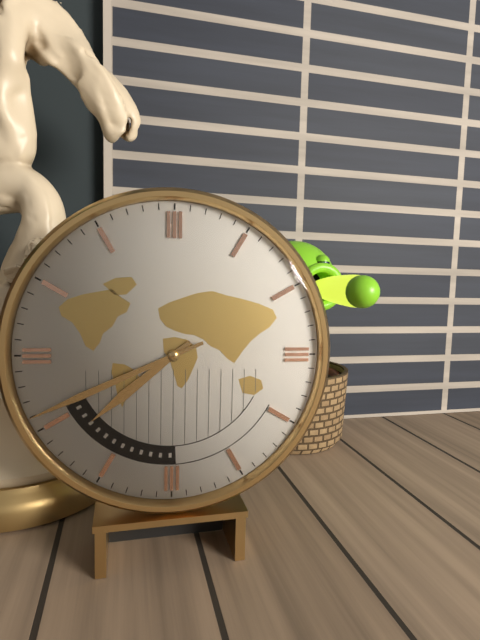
7:41
